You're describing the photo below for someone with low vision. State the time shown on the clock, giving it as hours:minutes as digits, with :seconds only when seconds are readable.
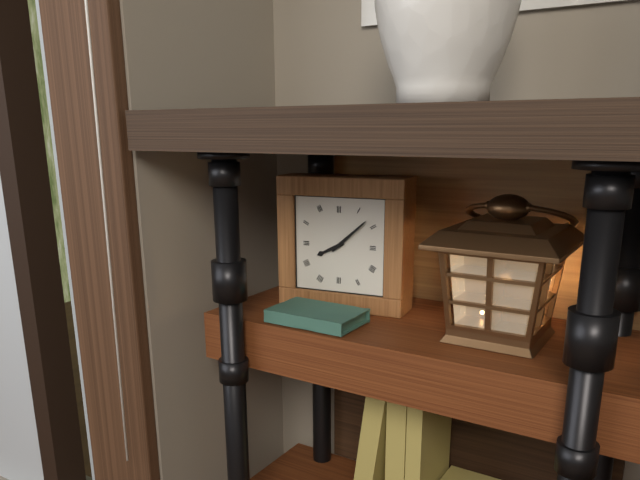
8:08
